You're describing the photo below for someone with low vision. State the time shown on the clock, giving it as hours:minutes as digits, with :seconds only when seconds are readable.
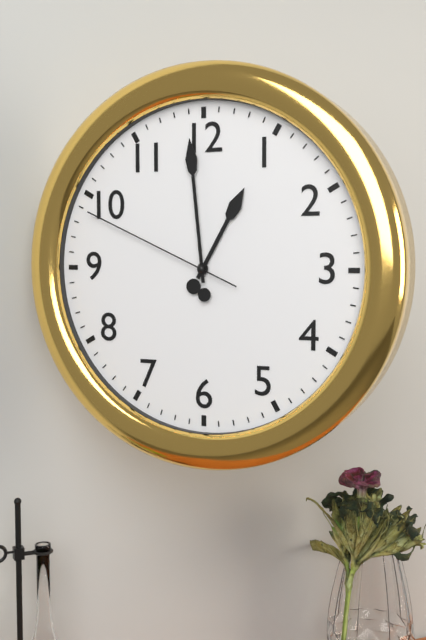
12:59:49
